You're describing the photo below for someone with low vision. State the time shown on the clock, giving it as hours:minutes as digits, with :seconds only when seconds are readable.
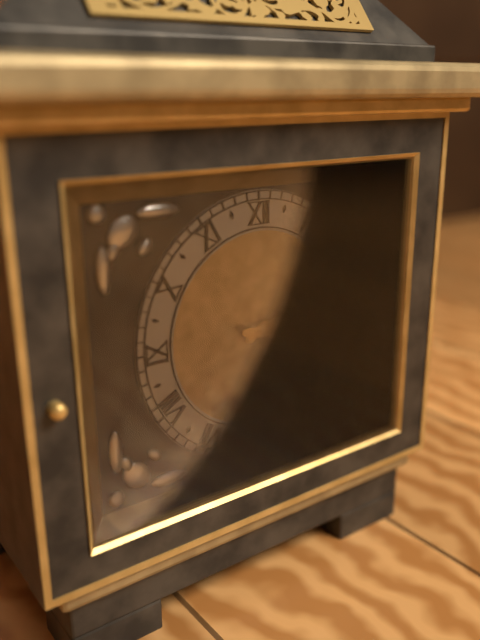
2:16
